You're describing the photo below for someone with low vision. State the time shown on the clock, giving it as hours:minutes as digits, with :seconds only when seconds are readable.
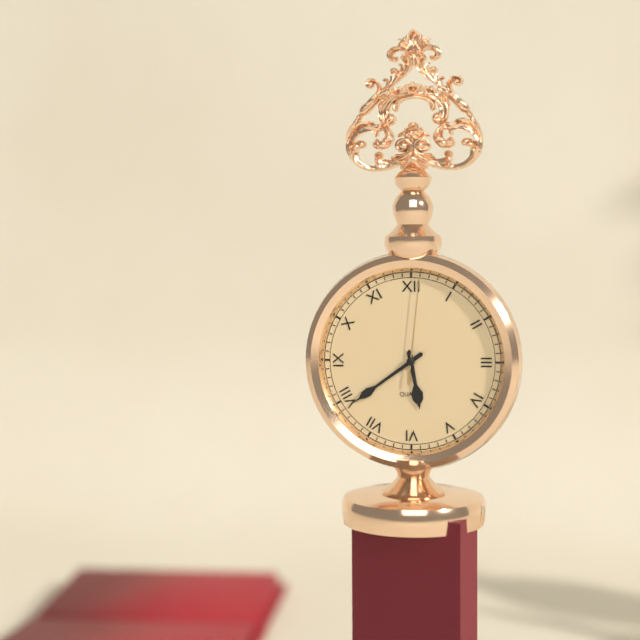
5:39:01
